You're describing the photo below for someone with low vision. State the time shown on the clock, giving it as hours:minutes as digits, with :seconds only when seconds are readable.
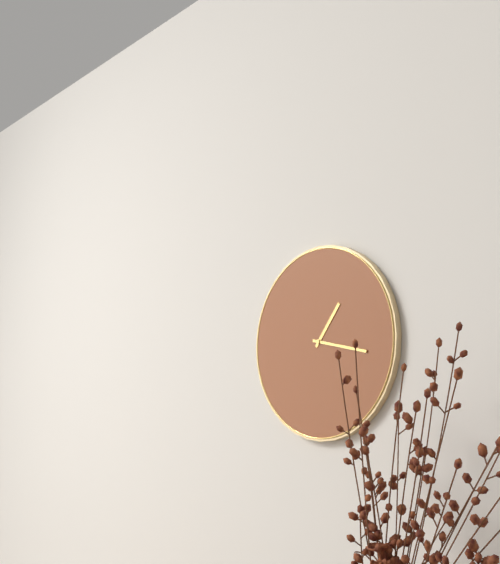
1:17
